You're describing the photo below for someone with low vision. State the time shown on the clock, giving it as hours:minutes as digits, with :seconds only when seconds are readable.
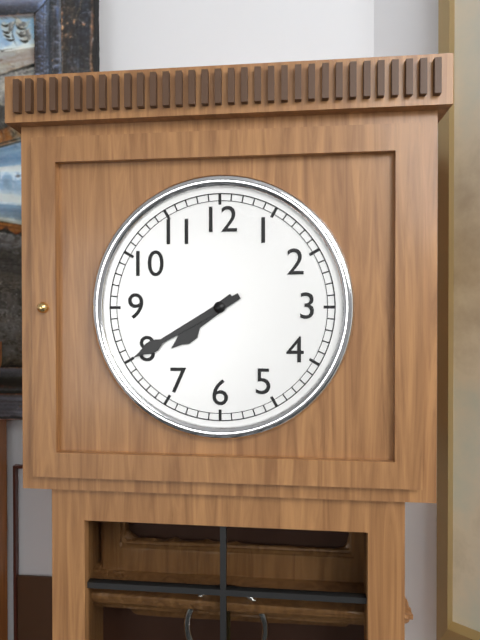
7:40
